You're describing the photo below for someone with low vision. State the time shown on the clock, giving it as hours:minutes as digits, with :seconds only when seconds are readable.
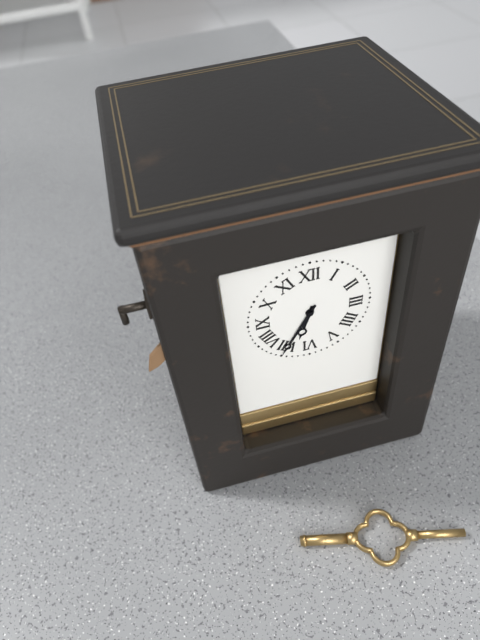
6:35
